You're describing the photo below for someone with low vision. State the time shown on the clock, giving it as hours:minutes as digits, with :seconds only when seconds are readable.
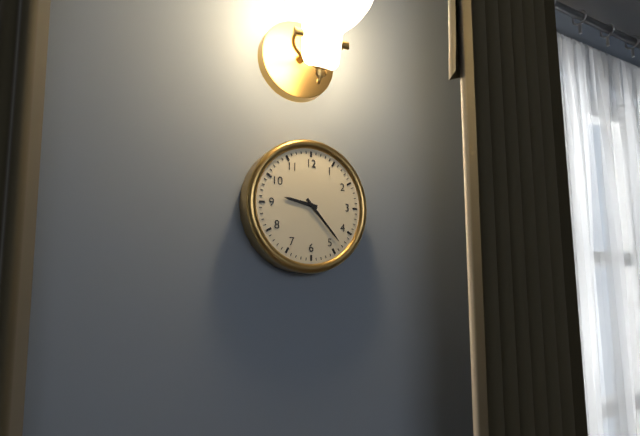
9:23
